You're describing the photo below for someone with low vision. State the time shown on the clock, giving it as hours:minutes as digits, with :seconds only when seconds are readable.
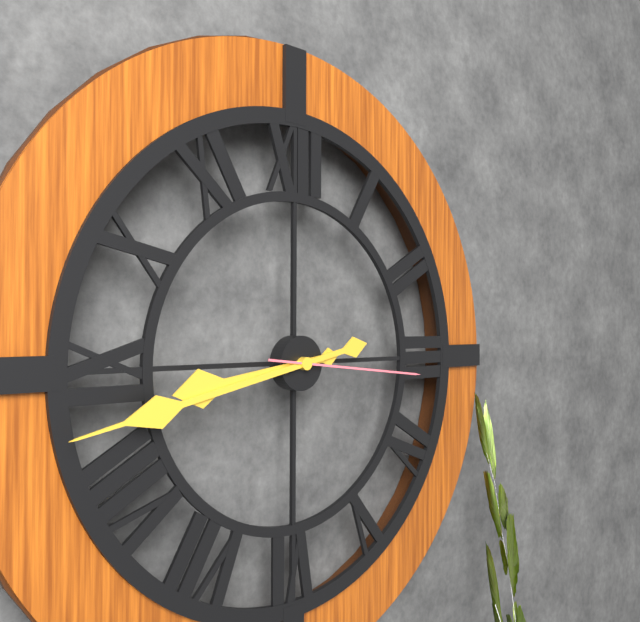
8:43:16
